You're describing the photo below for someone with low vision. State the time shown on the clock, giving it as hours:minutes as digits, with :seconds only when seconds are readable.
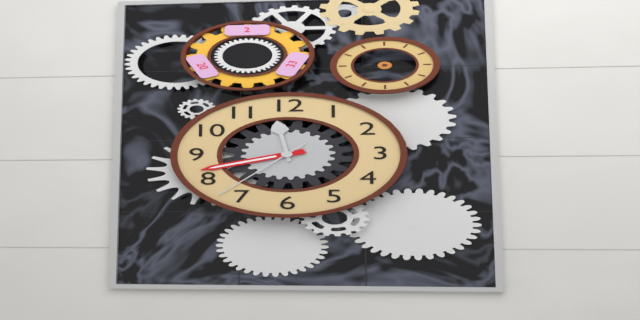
11:42:37
